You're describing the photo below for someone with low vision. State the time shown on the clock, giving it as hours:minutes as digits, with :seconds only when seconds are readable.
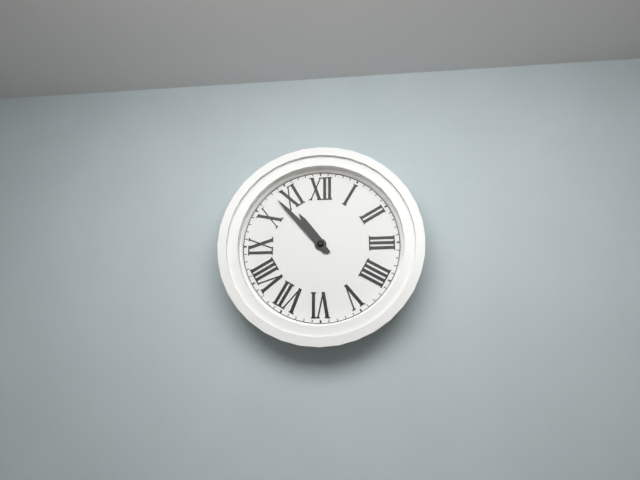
10:53
